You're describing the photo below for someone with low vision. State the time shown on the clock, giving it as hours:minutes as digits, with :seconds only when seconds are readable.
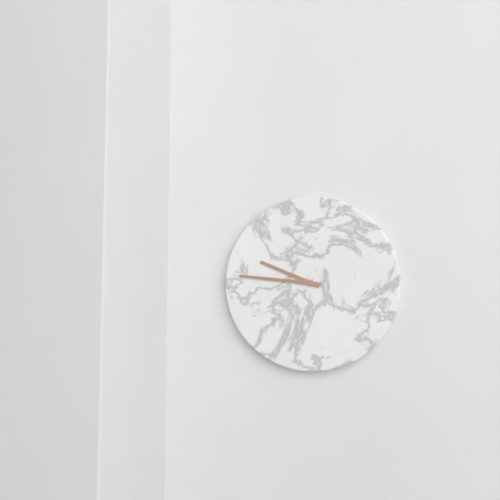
9:46
